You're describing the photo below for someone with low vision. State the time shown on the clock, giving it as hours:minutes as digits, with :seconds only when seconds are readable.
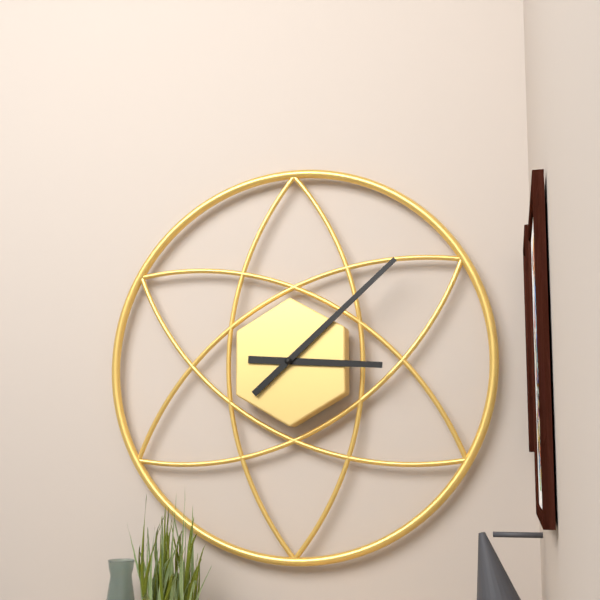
3:08
